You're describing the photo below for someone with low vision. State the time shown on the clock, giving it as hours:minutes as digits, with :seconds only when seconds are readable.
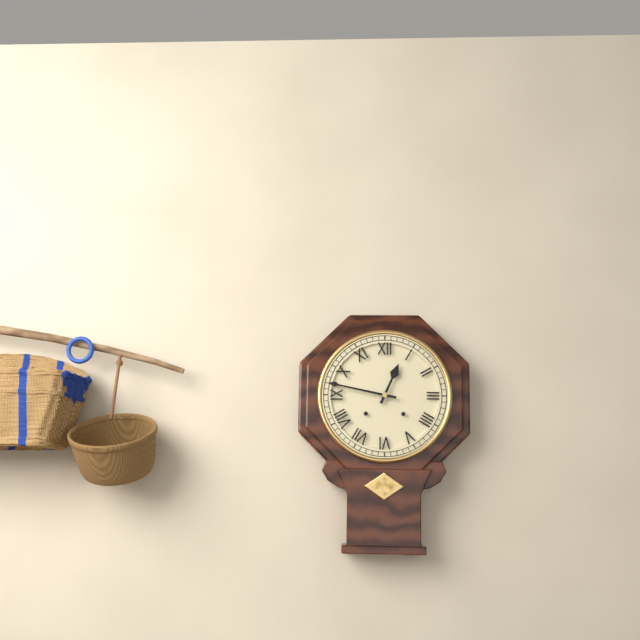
12:47
